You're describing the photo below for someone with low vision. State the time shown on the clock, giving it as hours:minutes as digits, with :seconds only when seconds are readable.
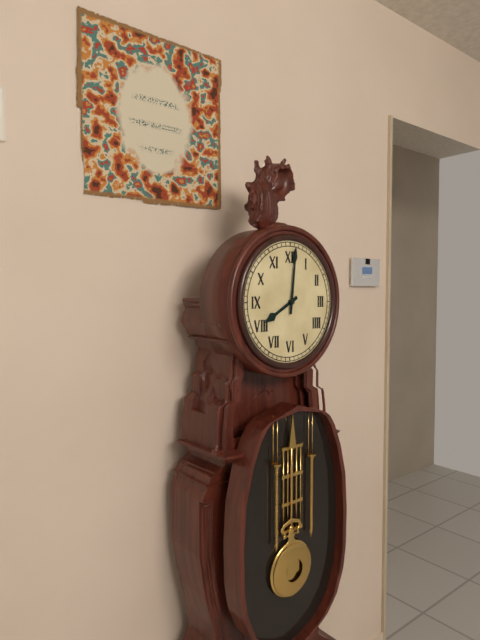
8:01
